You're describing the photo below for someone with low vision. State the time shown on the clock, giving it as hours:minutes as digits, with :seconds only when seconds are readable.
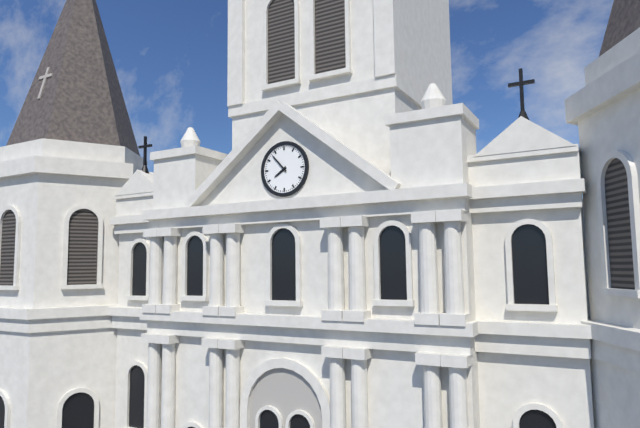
7:53
